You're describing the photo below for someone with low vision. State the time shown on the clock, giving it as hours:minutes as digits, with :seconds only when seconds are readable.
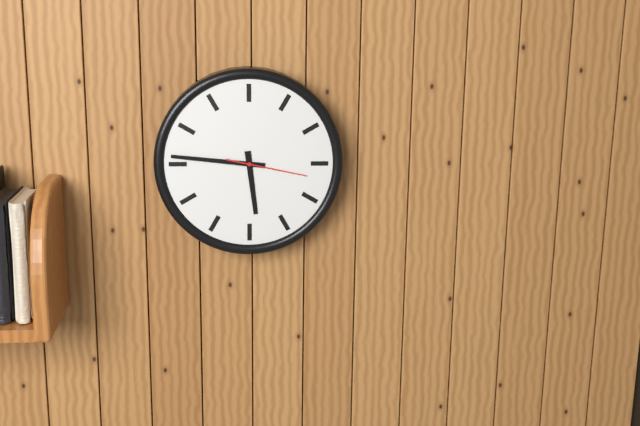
5:46:17
